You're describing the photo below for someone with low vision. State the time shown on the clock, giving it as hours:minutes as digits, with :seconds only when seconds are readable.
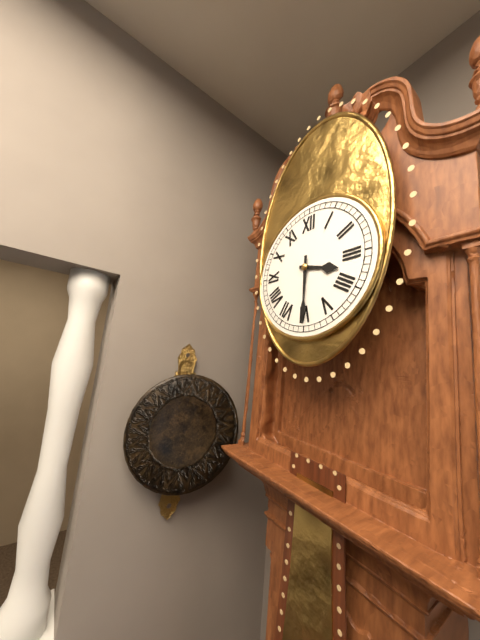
3:30
